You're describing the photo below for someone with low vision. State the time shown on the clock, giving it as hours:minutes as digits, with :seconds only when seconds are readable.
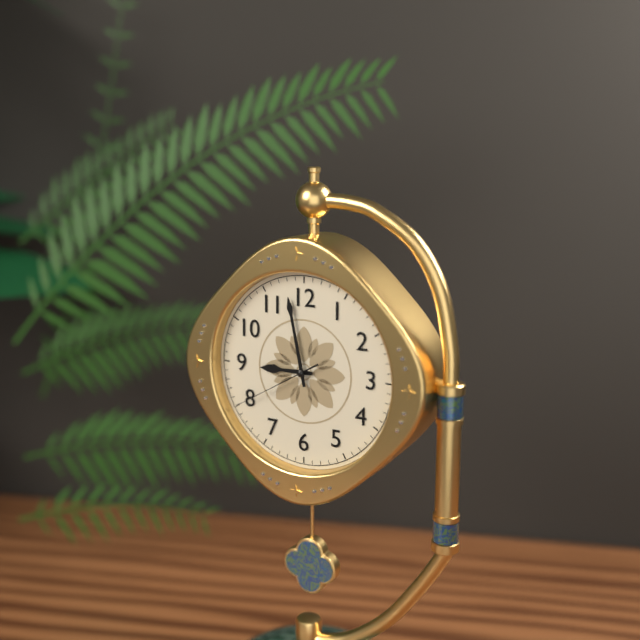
8:58:40
